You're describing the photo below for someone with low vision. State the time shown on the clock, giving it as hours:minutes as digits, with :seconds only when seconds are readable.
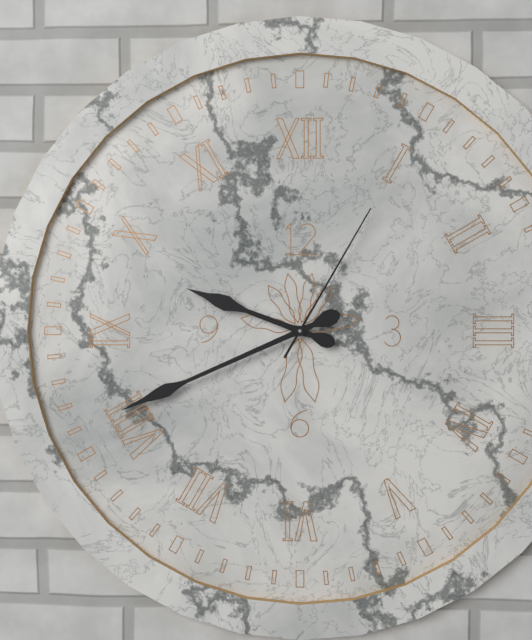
9:41:05
